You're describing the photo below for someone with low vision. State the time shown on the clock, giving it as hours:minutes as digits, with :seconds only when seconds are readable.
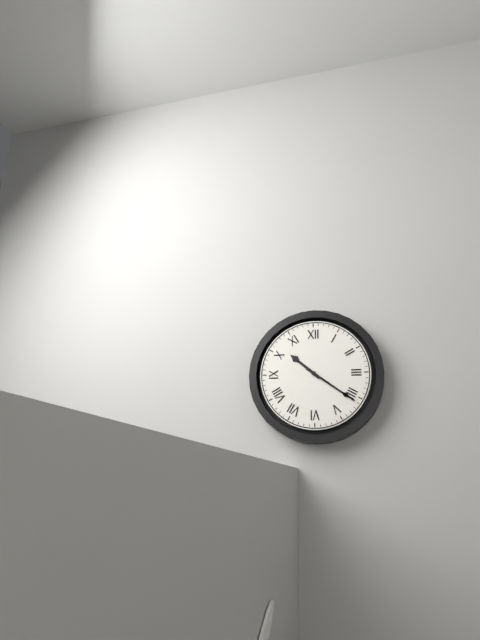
10:21
